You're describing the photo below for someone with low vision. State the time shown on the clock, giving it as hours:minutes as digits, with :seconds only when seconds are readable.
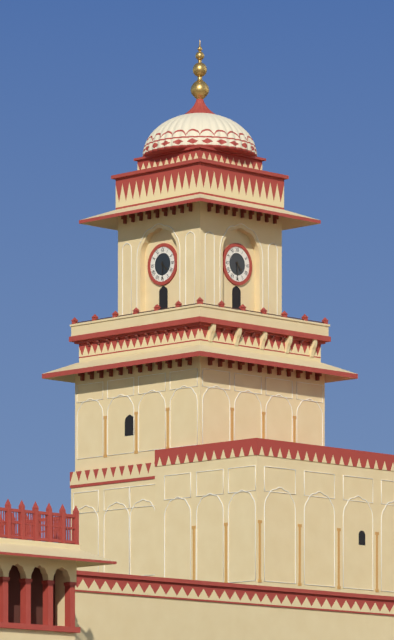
4:30
